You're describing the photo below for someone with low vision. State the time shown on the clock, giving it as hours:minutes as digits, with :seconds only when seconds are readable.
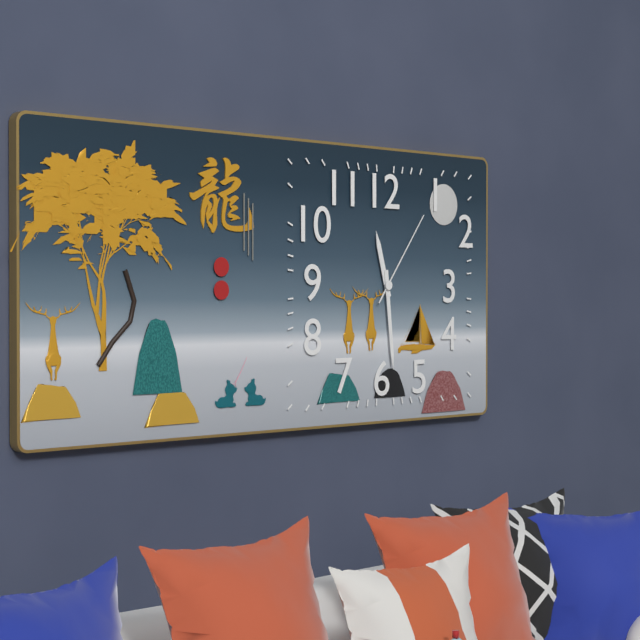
11:29:06
